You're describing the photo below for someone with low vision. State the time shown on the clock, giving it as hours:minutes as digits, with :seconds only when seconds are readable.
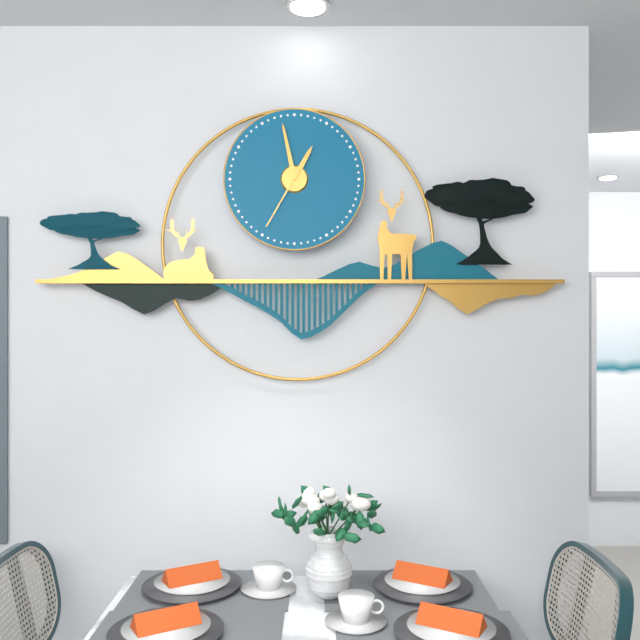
12:58:35
